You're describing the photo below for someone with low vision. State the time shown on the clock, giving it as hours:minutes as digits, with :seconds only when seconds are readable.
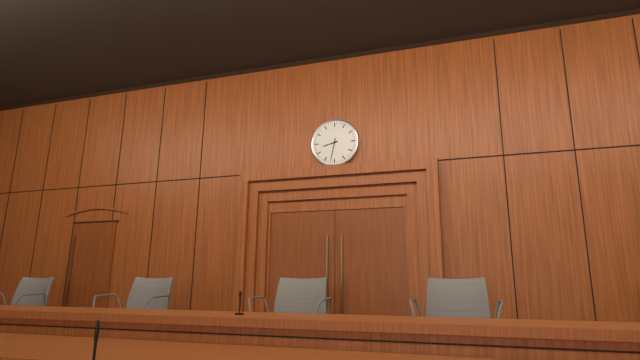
8:32
